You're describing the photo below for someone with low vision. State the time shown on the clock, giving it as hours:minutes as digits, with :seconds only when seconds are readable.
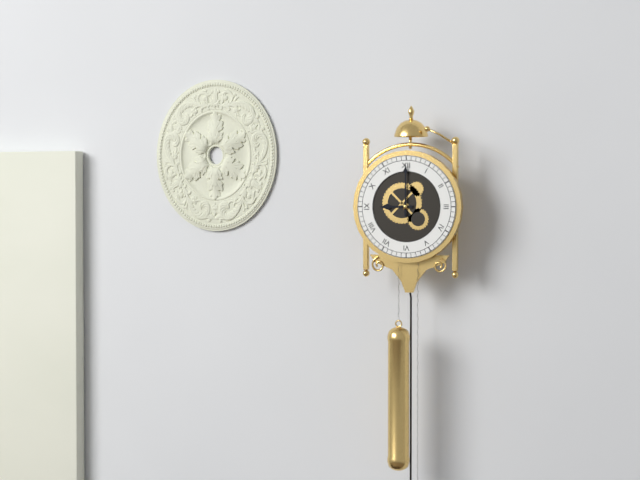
9:00
